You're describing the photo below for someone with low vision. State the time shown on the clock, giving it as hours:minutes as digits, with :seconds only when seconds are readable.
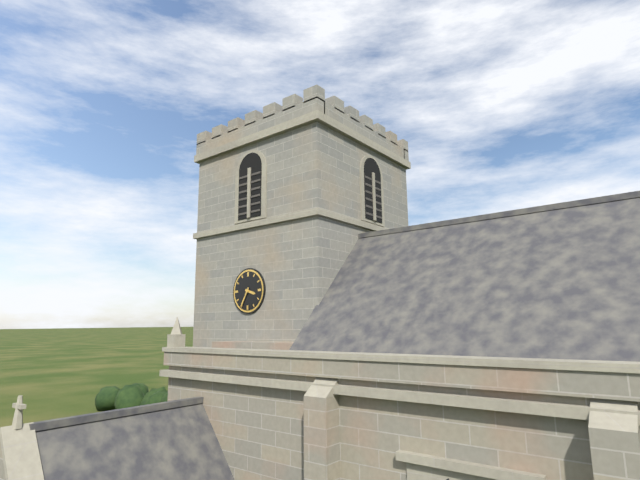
3:35
